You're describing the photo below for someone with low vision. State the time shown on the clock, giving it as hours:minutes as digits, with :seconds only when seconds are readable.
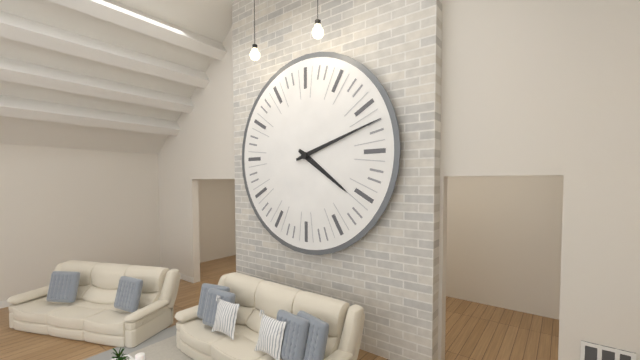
4:12
